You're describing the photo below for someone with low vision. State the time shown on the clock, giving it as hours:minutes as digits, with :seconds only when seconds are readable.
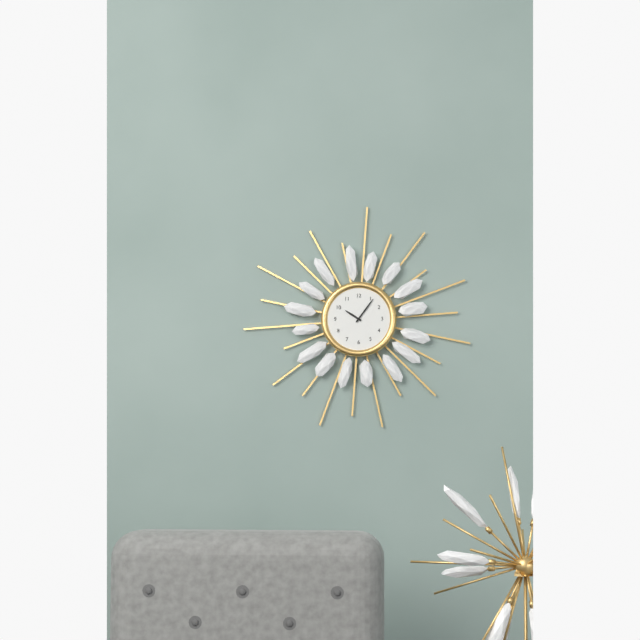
10:06
